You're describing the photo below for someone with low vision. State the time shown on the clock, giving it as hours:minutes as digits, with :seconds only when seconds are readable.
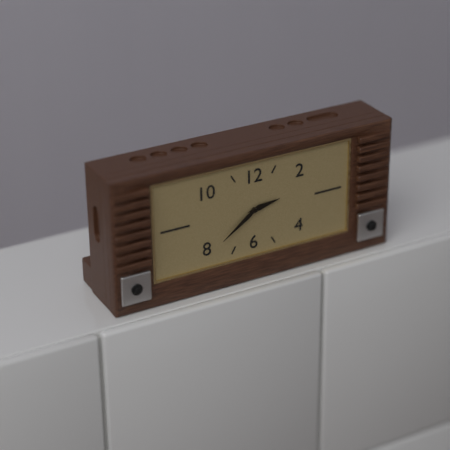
2:39
